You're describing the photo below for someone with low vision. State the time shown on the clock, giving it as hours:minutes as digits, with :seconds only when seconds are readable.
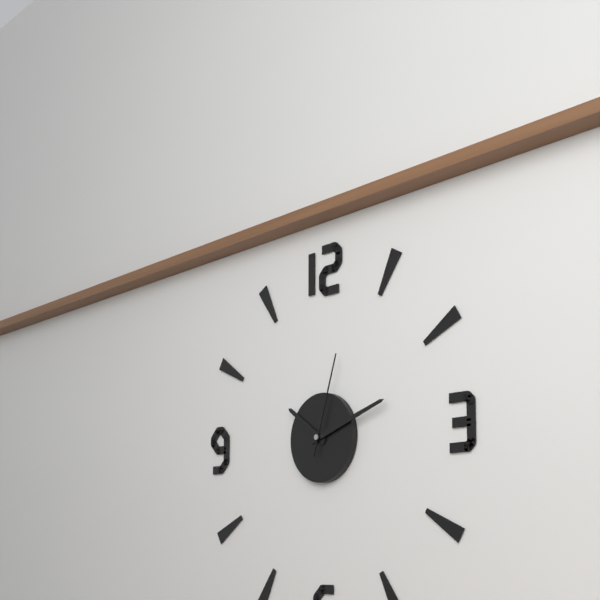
10:12:03
